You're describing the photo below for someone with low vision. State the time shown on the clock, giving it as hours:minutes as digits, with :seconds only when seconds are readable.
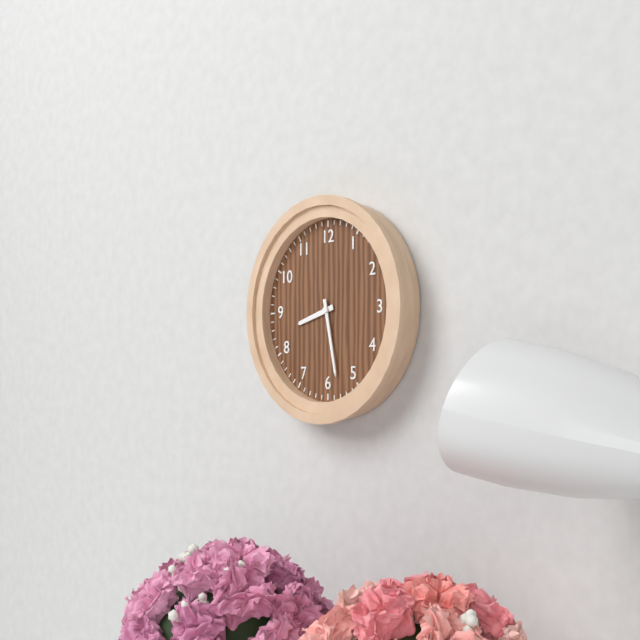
8:28
